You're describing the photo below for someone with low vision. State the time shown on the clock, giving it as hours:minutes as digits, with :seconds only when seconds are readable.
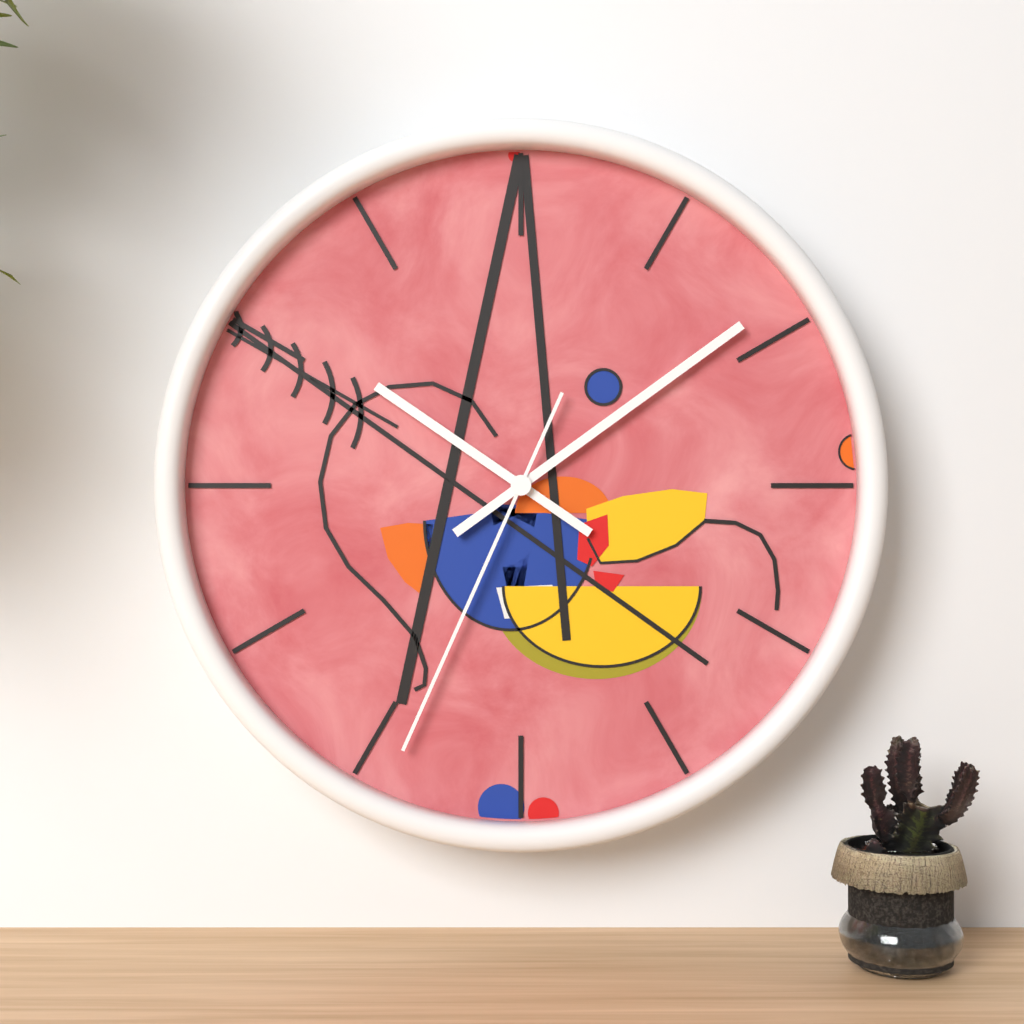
10:09:34
